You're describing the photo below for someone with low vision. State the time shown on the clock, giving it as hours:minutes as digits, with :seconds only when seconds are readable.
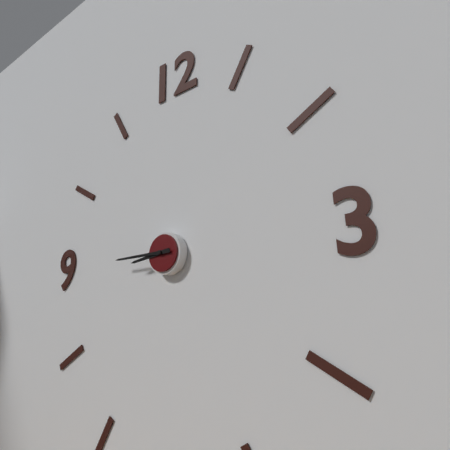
8:45
